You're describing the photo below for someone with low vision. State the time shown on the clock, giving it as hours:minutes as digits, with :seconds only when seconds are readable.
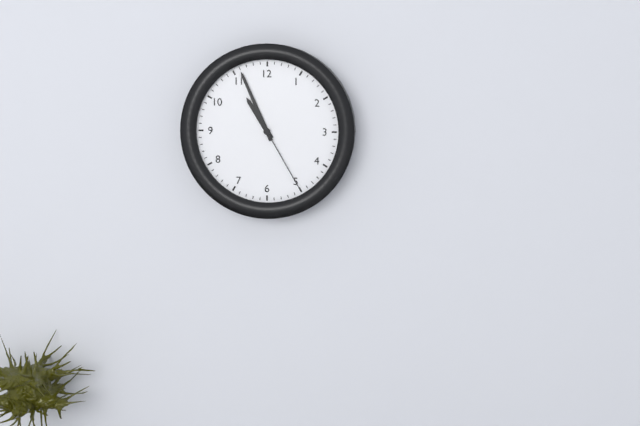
10:56:25
